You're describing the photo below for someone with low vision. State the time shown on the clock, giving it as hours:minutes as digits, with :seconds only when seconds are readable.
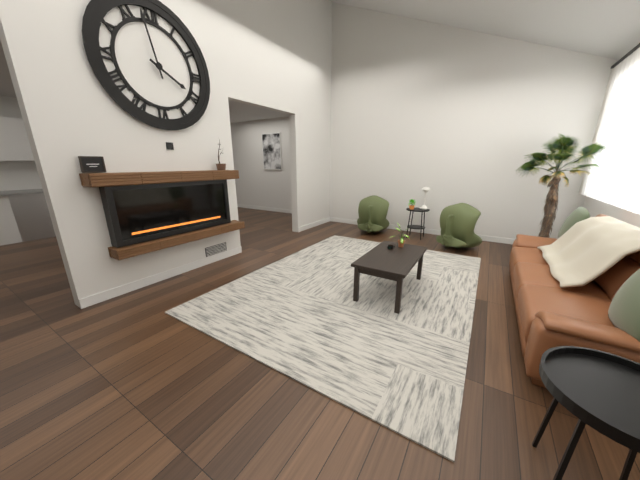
3:58
